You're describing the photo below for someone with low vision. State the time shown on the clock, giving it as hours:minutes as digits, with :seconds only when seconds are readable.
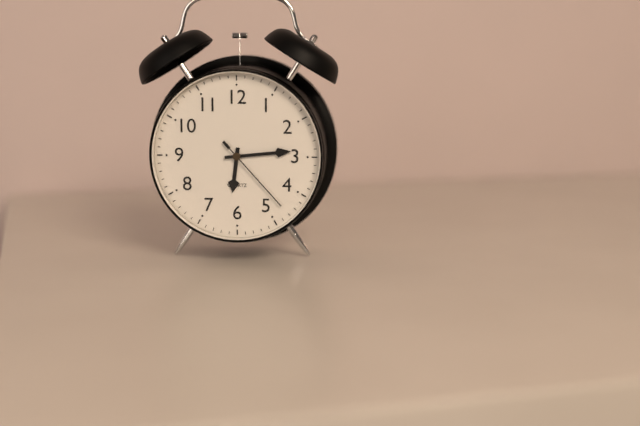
6:14:23
